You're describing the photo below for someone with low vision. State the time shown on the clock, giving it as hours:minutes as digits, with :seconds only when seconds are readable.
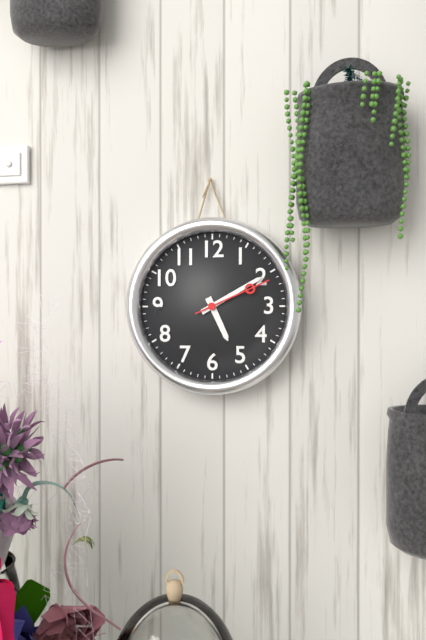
5:10:11
